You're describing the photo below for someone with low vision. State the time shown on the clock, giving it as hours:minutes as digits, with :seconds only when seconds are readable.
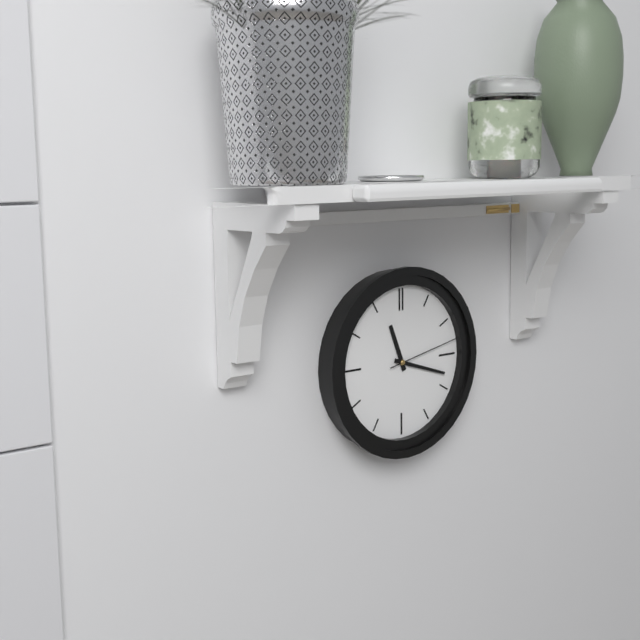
11:18:13
